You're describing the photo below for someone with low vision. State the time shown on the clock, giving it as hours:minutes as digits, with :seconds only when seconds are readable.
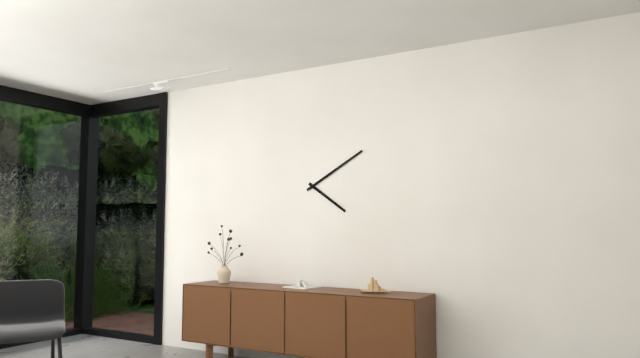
4:10
